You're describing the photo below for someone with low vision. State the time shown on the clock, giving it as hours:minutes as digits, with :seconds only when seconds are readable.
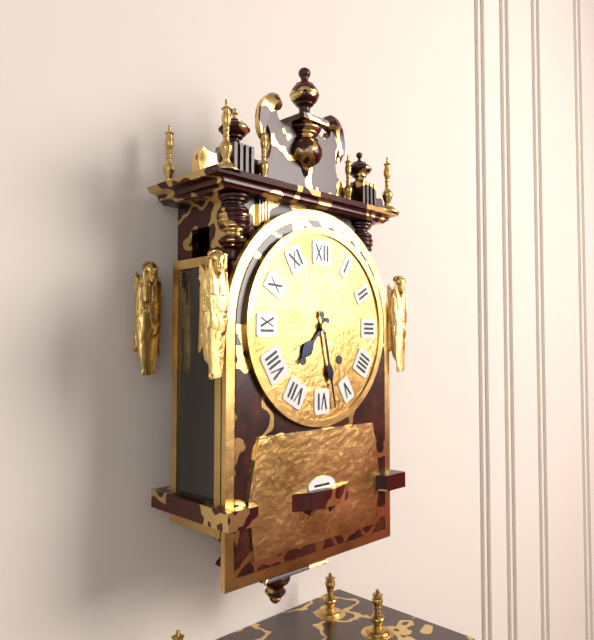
7:28
